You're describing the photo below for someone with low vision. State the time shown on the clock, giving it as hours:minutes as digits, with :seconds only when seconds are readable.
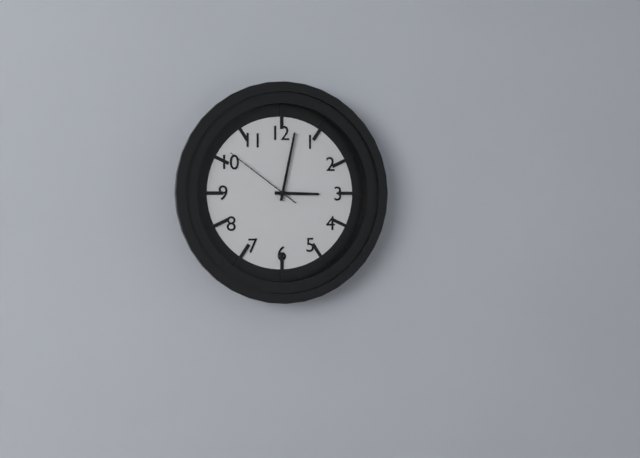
3:02:51
